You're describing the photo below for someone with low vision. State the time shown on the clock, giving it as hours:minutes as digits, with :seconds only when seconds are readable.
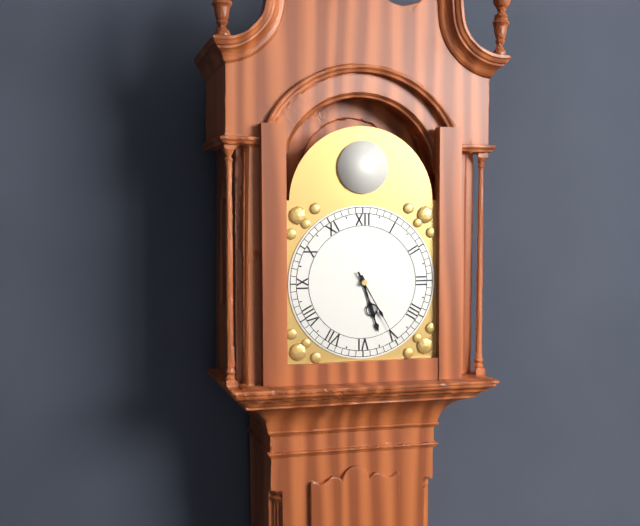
5:25
